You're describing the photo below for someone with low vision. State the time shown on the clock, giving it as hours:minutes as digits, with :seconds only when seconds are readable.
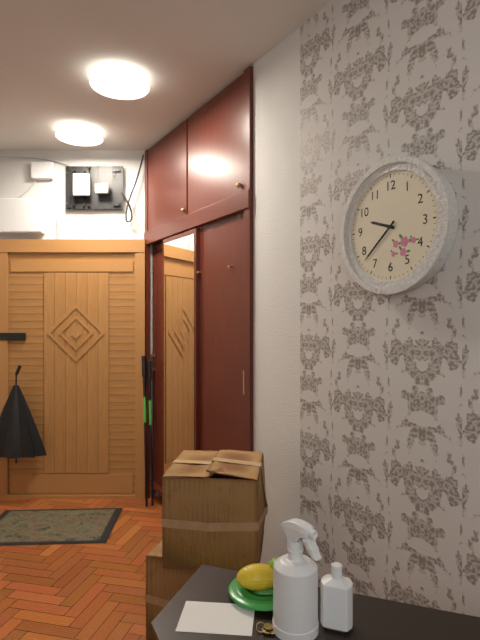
9:38
